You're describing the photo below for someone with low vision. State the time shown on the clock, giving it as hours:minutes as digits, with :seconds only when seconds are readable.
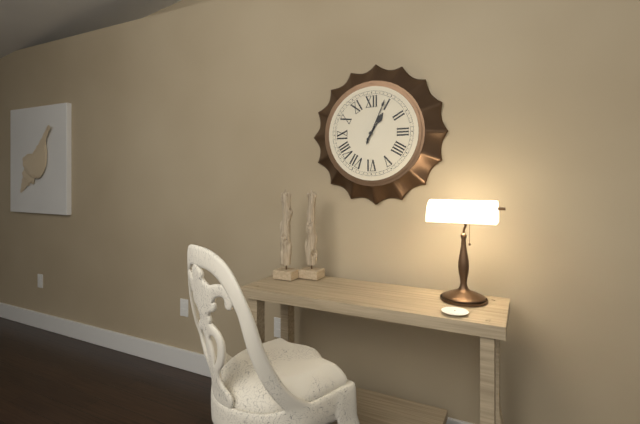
1:04
